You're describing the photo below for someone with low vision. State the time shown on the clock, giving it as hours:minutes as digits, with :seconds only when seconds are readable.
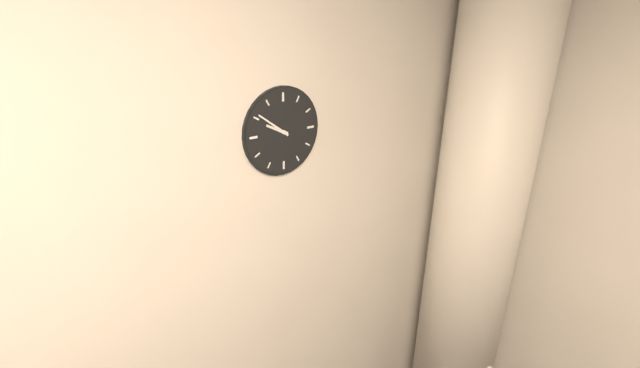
9:51
